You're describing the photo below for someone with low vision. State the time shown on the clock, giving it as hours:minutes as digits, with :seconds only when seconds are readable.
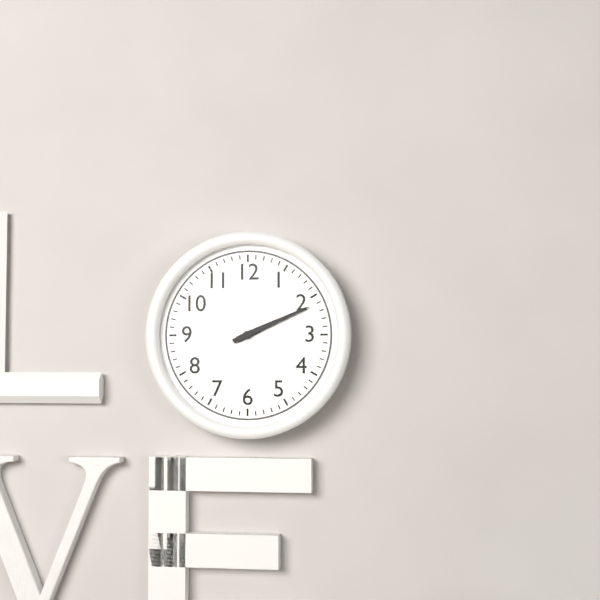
2:11
